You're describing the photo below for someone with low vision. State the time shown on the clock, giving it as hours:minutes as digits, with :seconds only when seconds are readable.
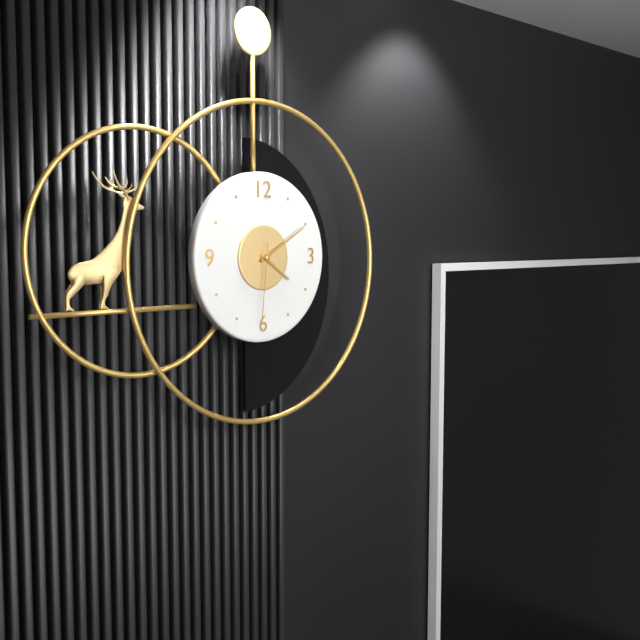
4:10:31
